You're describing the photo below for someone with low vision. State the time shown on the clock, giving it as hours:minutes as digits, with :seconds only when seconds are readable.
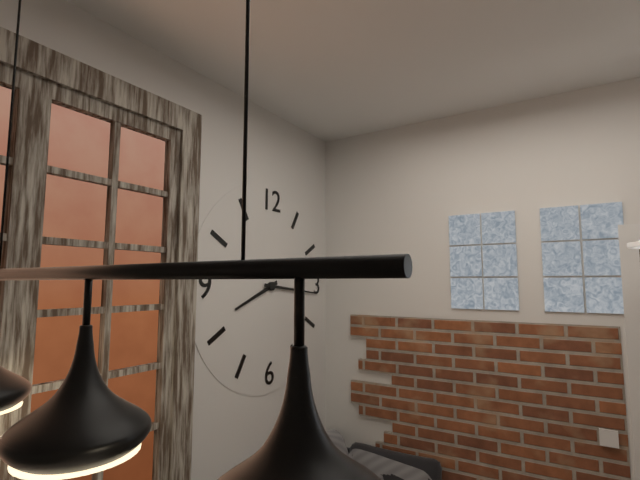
8:16
